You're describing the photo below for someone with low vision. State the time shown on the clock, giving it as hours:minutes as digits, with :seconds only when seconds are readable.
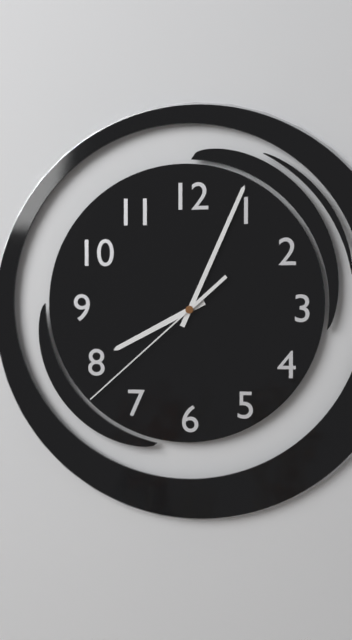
8:04:38
